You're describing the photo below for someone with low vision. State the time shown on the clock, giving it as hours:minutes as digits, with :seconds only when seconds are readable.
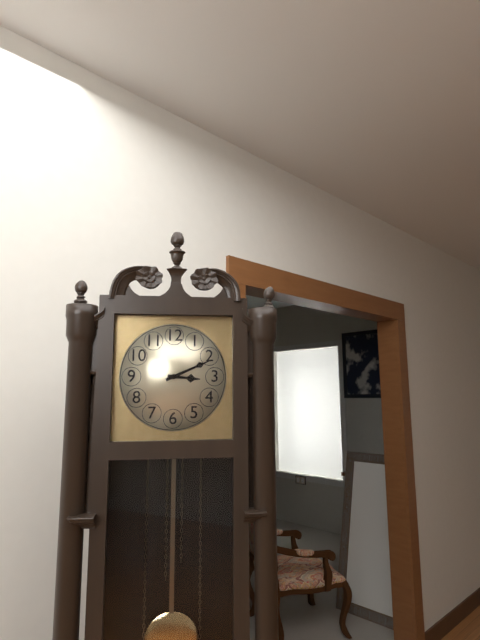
3:11
